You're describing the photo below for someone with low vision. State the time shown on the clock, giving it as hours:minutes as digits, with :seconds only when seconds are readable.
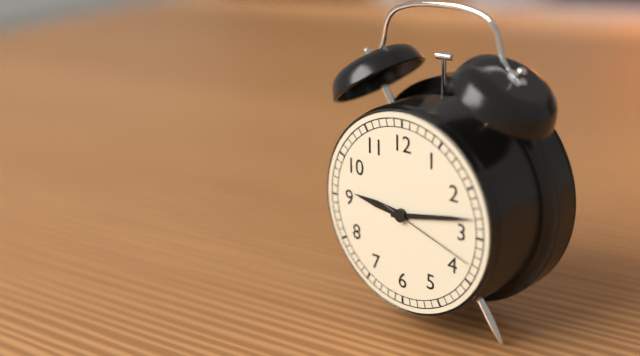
9:13:18
